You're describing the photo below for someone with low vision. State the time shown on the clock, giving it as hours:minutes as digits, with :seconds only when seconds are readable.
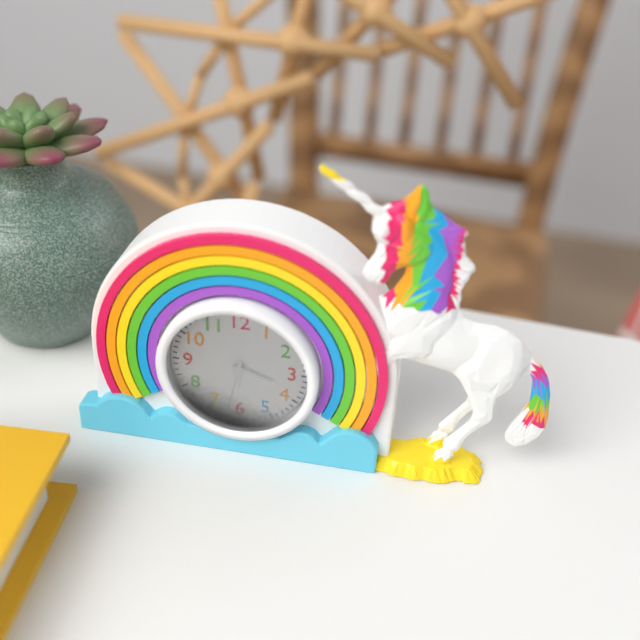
3:32
